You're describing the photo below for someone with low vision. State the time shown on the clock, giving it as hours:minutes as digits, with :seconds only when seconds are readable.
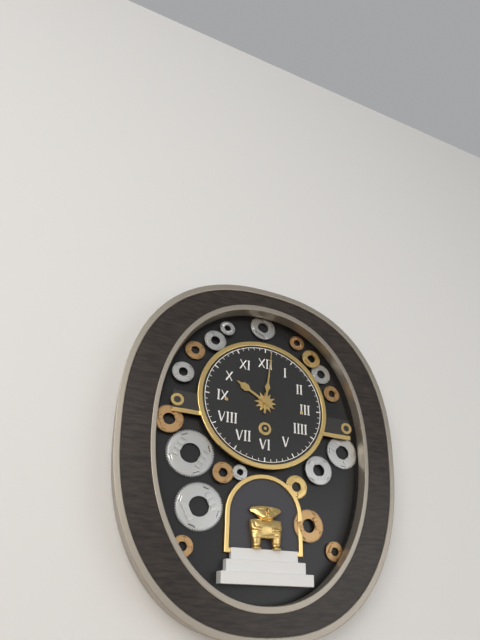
10:01
